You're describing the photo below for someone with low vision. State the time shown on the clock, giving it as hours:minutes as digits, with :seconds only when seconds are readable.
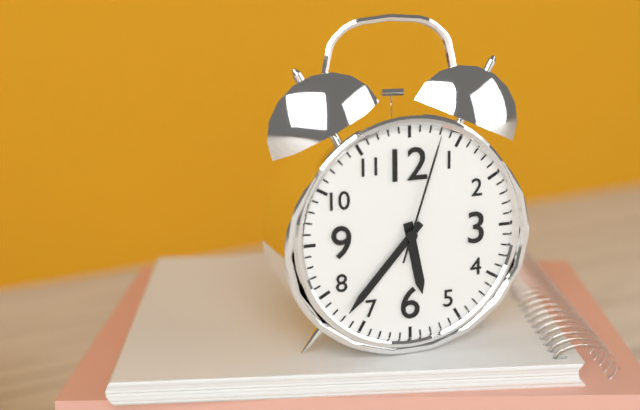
5:37:03
